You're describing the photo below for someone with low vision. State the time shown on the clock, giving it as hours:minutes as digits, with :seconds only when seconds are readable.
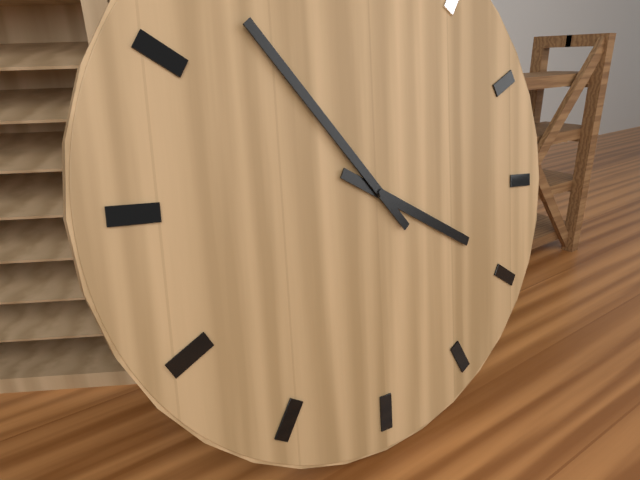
3:53
